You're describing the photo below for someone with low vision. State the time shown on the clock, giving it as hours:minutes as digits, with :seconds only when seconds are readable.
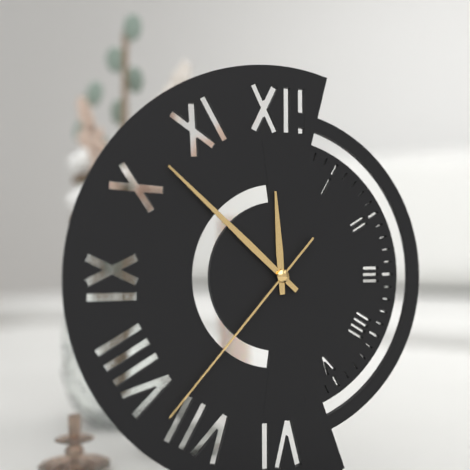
11:52:37
